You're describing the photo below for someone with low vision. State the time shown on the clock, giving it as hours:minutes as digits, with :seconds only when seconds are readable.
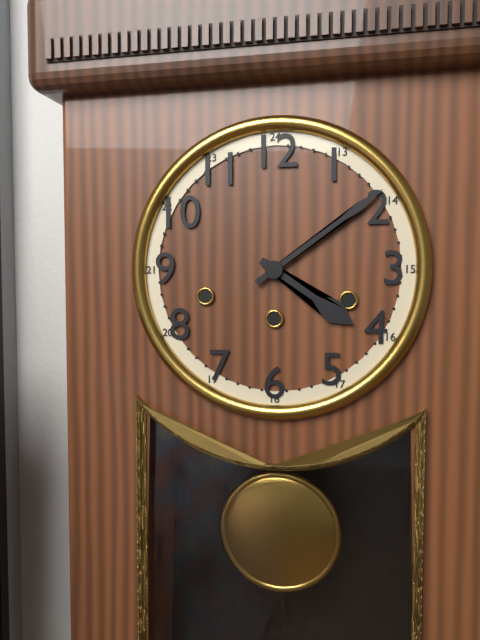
4:09
